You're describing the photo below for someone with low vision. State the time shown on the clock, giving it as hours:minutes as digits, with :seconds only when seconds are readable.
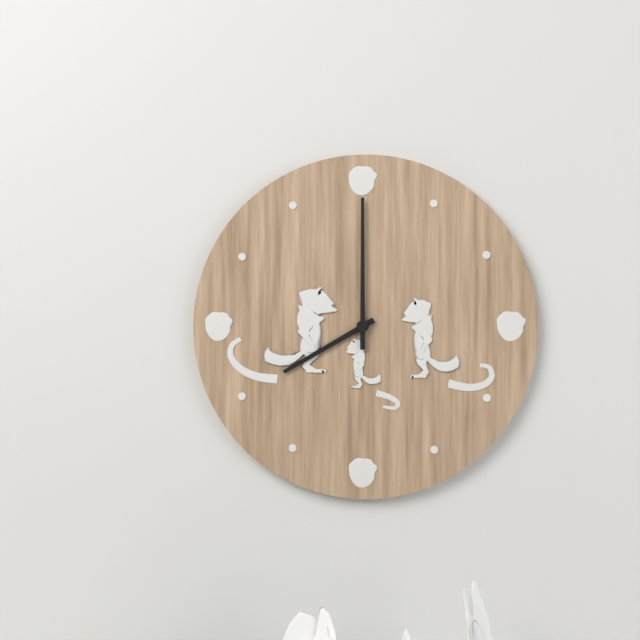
8:00
